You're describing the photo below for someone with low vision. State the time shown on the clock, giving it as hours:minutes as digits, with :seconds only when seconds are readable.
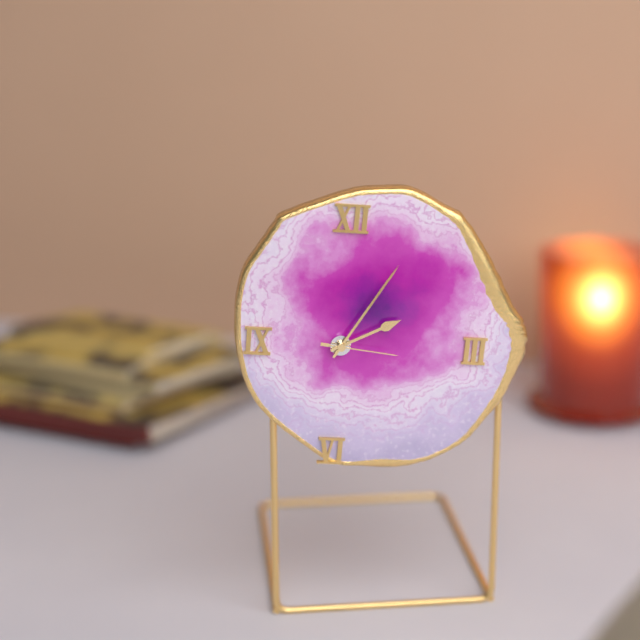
2:05:16
